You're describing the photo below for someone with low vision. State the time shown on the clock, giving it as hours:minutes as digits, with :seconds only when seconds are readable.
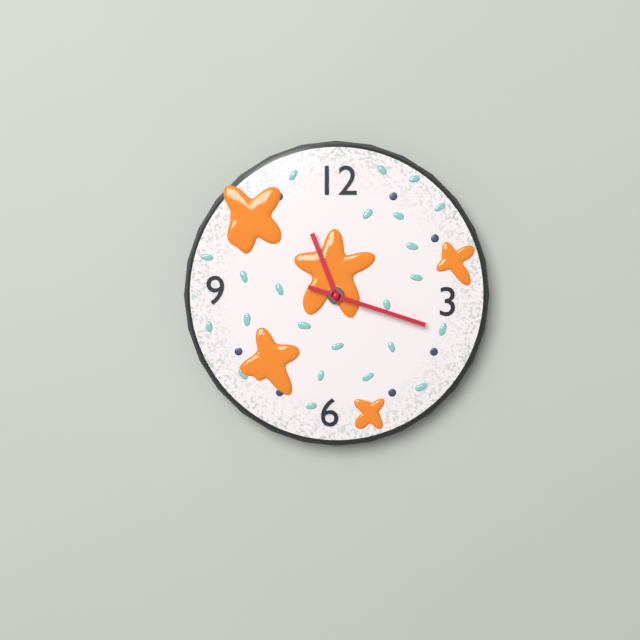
11:18
